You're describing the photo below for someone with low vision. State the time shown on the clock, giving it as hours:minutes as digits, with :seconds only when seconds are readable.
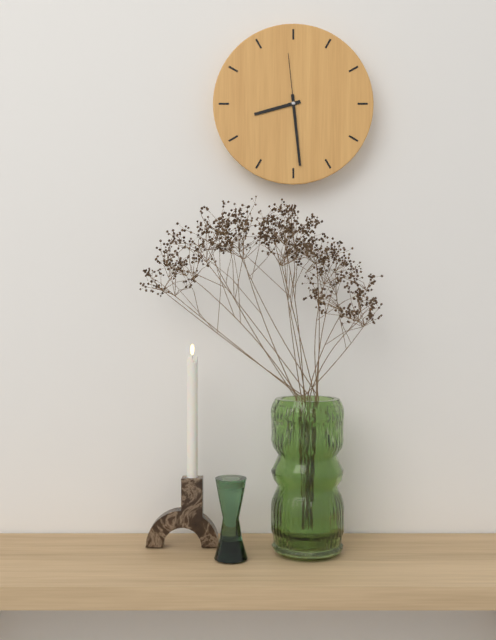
8:29:59
